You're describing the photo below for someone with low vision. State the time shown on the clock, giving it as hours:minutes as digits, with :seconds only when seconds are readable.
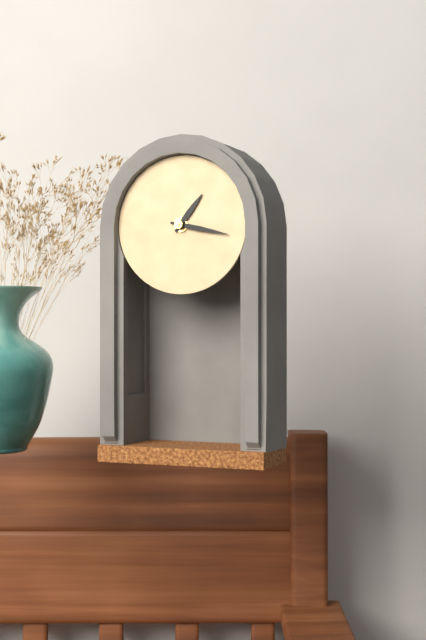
1:17
